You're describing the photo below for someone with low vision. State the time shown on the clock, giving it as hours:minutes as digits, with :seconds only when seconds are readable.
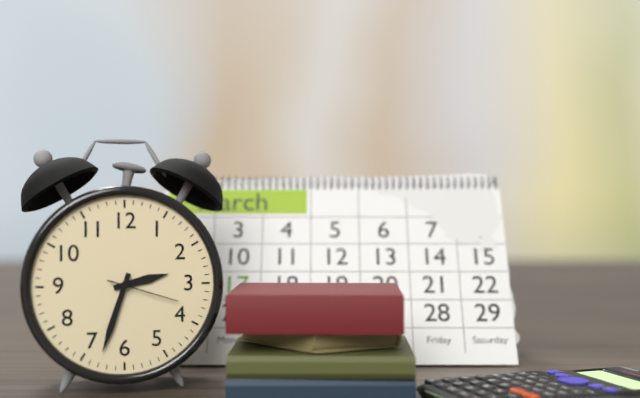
2:33:18
